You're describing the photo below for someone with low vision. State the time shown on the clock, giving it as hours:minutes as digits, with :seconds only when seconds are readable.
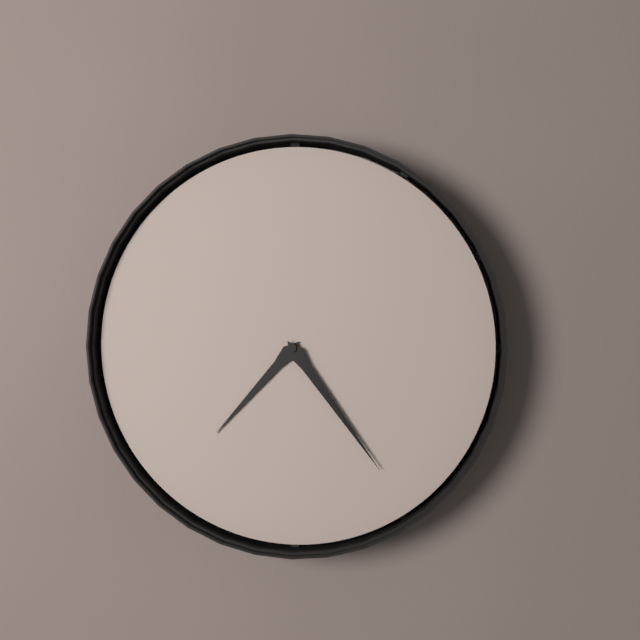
7:24
